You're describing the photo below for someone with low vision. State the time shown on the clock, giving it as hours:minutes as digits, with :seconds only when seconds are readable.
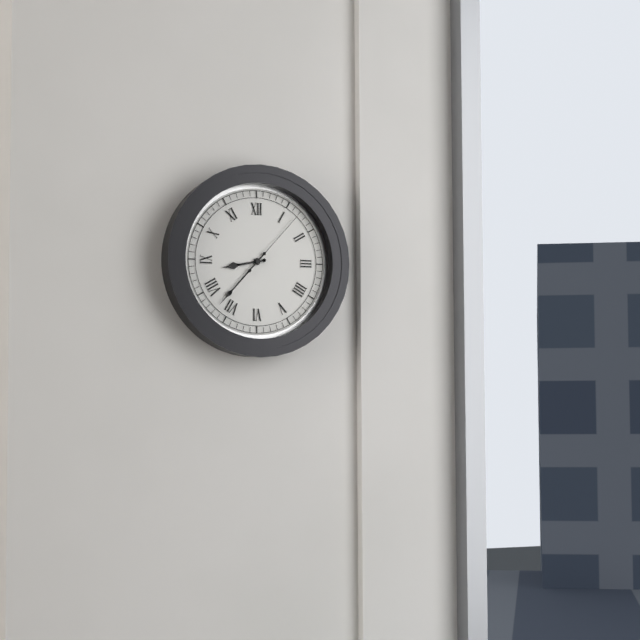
8:37:07
